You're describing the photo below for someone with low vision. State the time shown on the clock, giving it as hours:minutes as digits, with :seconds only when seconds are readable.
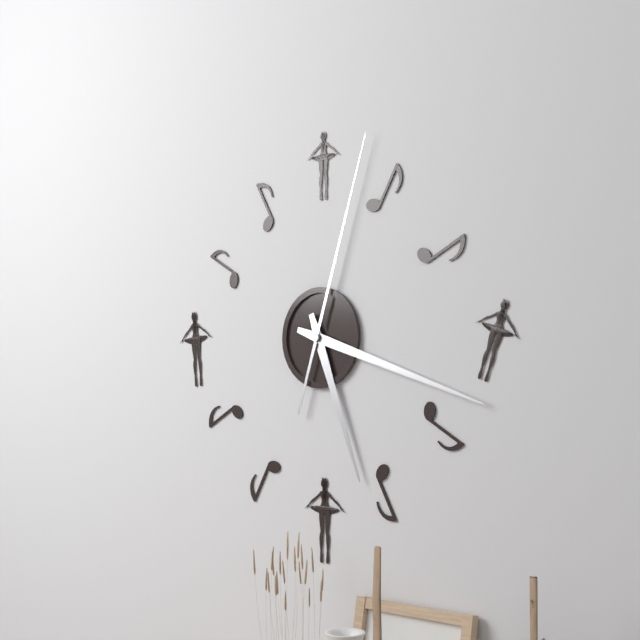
5:18:03
